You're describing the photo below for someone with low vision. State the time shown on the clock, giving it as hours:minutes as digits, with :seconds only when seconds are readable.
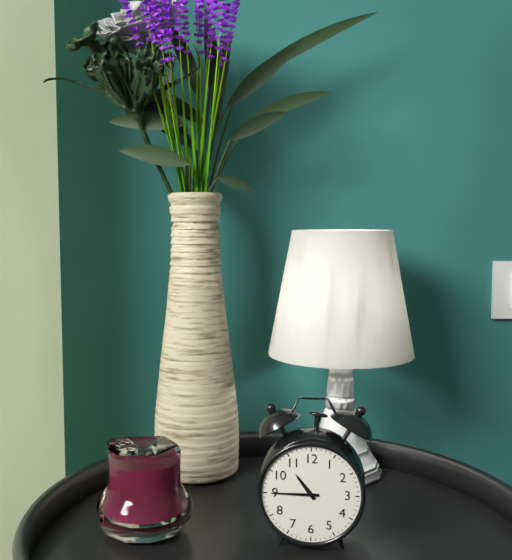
10:45
